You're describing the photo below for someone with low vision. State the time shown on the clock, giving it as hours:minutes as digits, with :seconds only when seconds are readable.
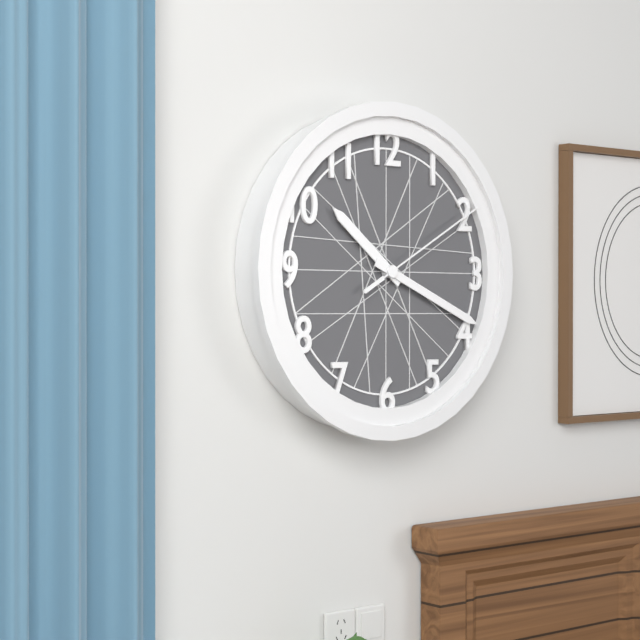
10:19:10
